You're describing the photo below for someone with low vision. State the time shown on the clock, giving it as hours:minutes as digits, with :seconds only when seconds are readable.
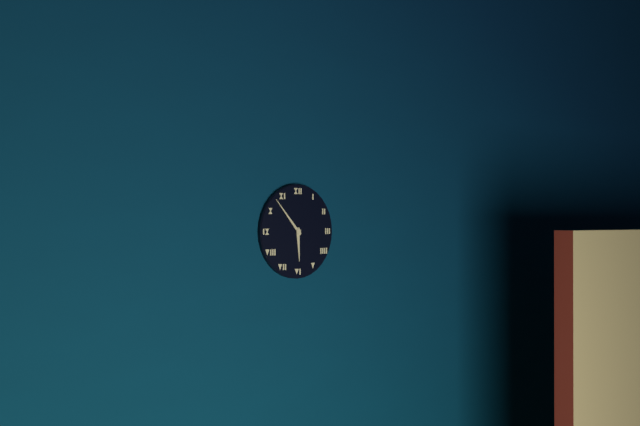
5:53
